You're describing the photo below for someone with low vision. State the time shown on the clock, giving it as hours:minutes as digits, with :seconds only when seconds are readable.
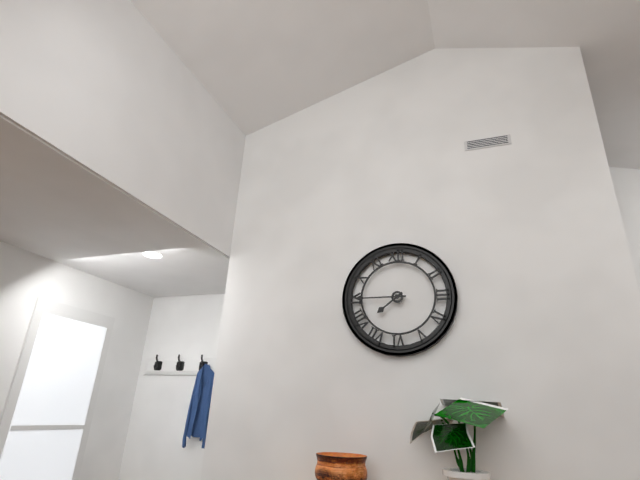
7:45
